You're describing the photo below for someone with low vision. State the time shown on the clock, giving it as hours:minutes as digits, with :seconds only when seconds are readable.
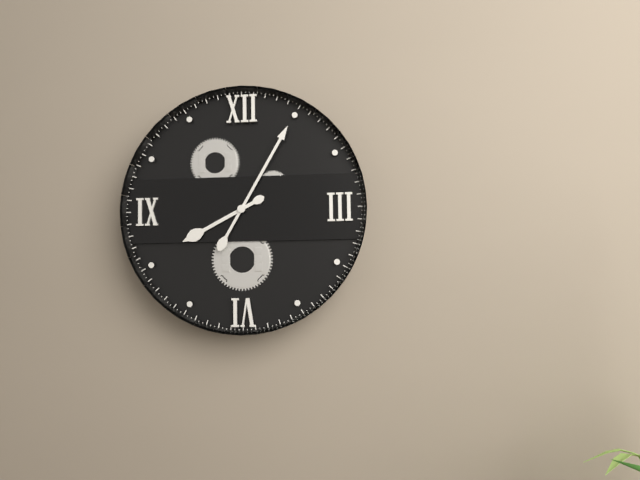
8:05
